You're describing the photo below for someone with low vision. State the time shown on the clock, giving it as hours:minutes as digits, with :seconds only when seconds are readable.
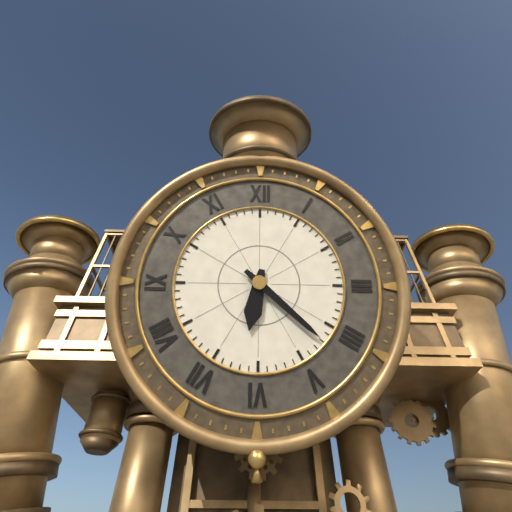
6:22
